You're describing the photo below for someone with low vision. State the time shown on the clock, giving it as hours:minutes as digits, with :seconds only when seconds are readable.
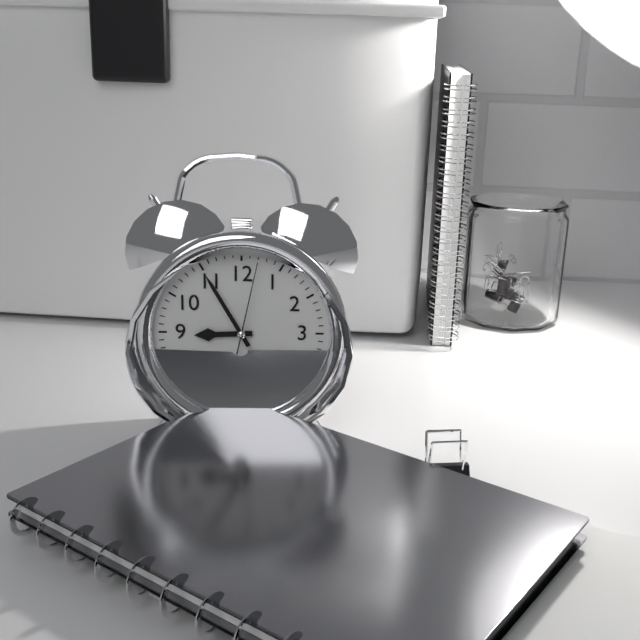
8:55:02
